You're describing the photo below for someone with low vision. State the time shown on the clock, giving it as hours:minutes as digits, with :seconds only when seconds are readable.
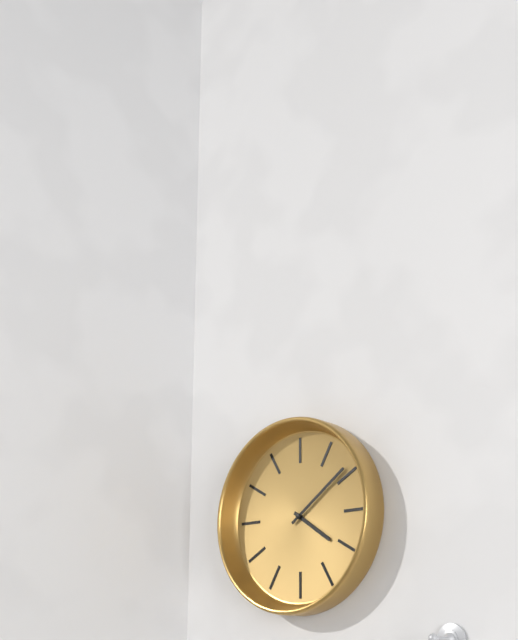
4:09
